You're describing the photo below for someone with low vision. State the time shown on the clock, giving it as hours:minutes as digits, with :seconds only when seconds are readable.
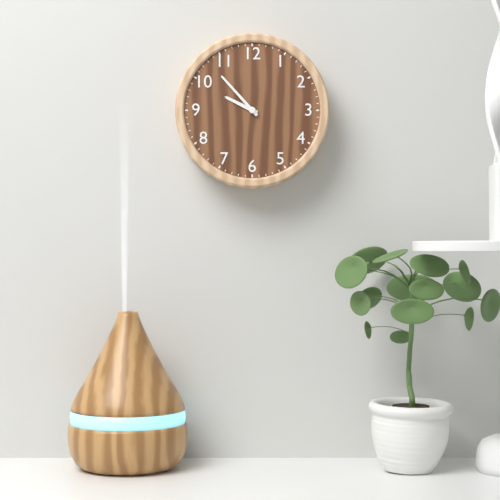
9:53
